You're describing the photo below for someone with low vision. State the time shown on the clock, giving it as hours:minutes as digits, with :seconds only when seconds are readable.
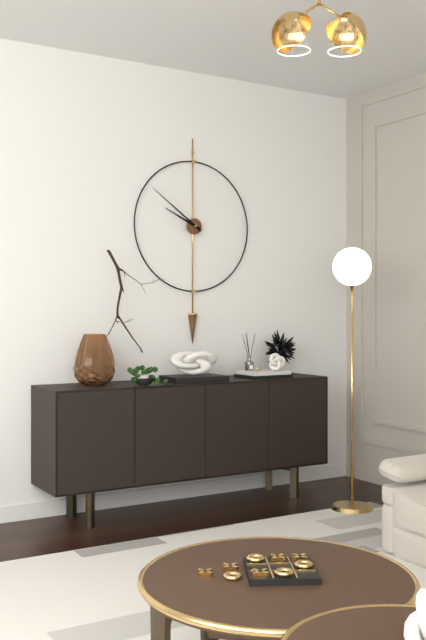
9:51
